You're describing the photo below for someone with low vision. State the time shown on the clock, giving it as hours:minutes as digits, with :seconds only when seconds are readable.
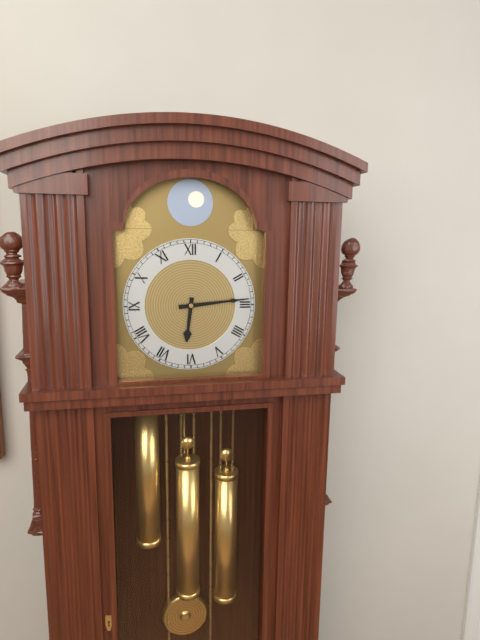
6:14
